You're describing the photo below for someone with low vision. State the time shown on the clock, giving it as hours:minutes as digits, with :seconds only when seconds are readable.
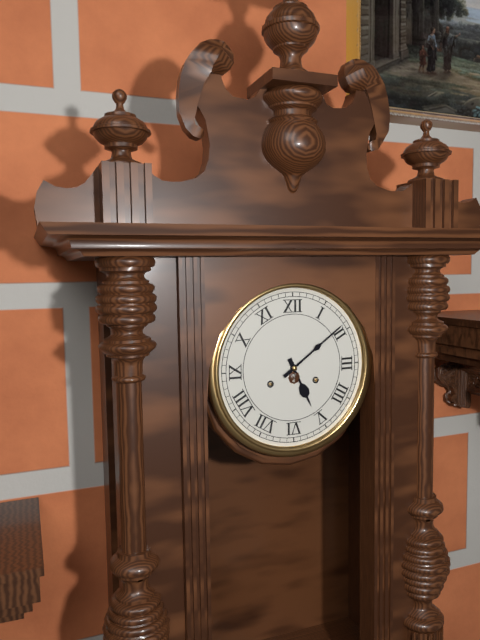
5:09
